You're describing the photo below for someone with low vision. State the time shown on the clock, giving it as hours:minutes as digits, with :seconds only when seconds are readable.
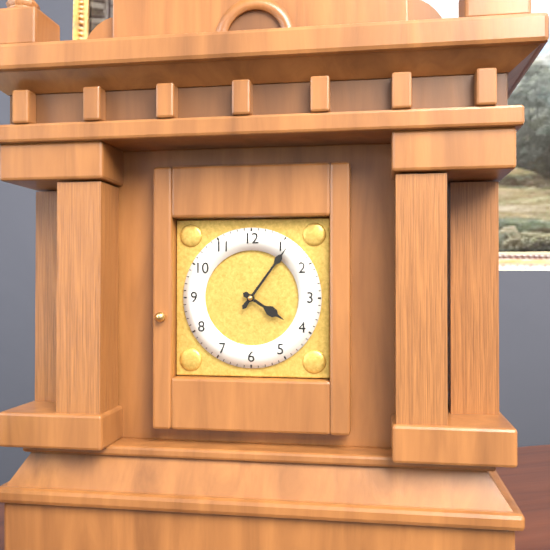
4:06
